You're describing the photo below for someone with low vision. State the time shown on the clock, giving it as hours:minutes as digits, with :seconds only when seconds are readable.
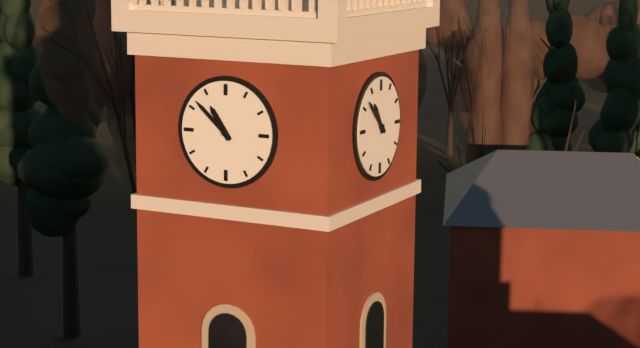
10:52
